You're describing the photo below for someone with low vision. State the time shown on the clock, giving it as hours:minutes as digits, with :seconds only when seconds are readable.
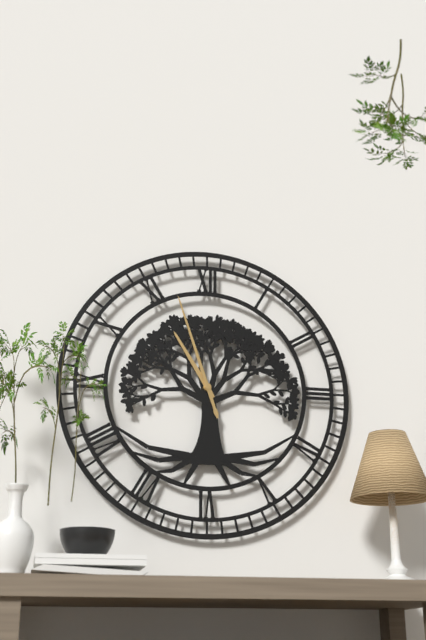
10:57
